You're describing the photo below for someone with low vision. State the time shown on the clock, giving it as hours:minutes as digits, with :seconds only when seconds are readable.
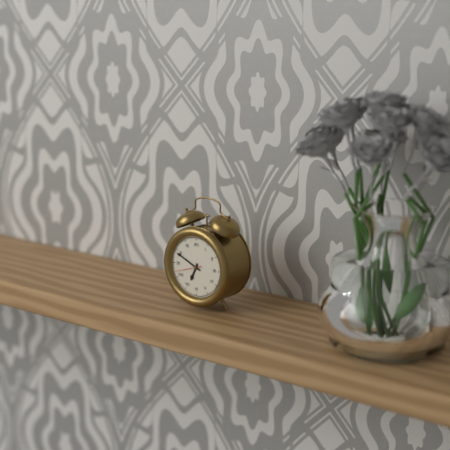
6:49
